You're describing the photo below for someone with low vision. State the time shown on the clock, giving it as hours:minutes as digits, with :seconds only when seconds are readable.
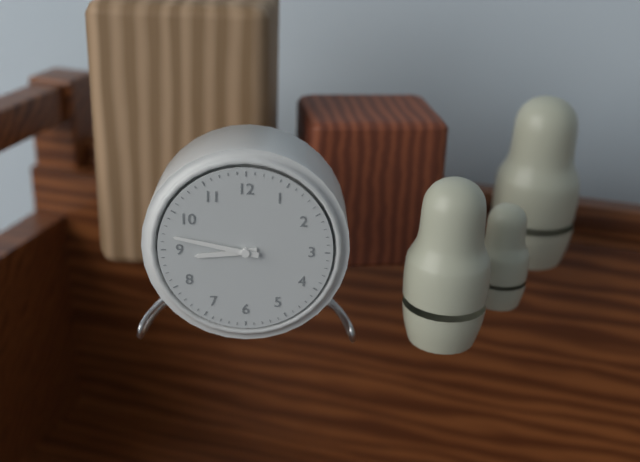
8:47
